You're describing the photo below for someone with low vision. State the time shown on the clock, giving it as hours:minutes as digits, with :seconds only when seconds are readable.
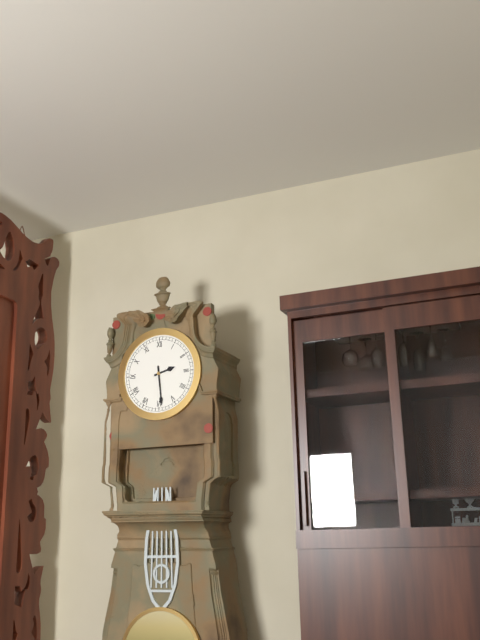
2:29
